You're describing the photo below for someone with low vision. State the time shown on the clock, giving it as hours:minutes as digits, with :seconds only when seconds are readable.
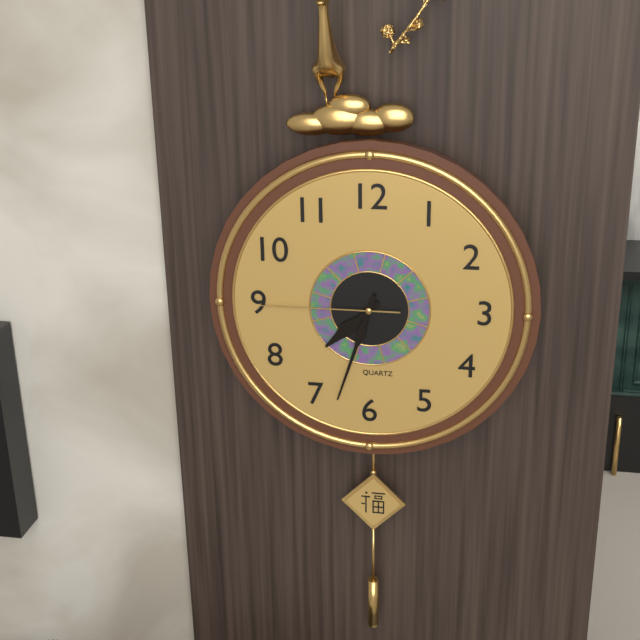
7:33:45
